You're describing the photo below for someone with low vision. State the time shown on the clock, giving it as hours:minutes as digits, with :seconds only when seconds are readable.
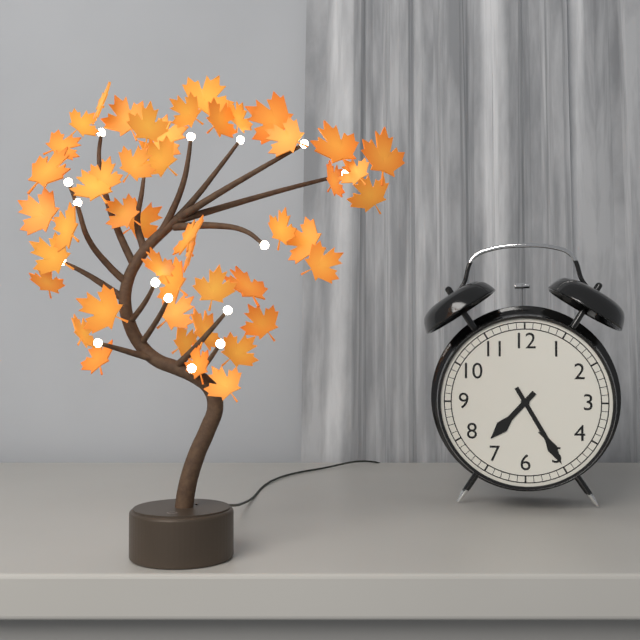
7:25
